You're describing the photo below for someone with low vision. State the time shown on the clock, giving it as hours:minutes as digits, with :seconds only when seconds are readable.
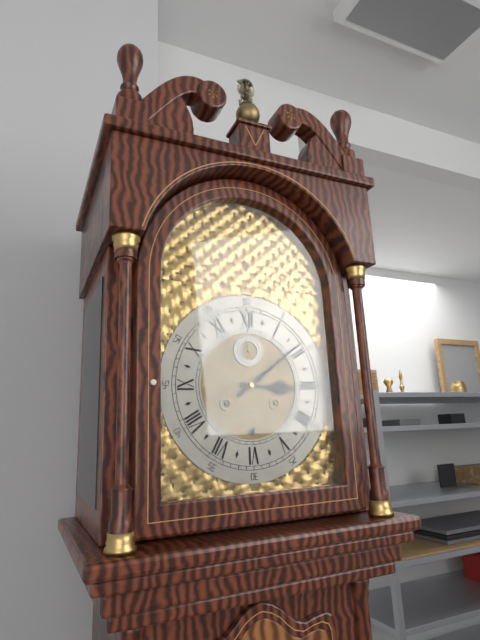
3:09
